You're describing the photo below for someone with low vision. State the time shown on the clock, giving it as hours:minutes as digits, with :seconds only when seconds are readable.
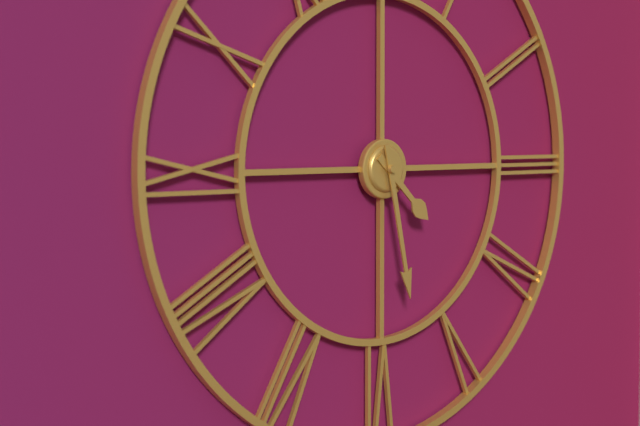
4:28
